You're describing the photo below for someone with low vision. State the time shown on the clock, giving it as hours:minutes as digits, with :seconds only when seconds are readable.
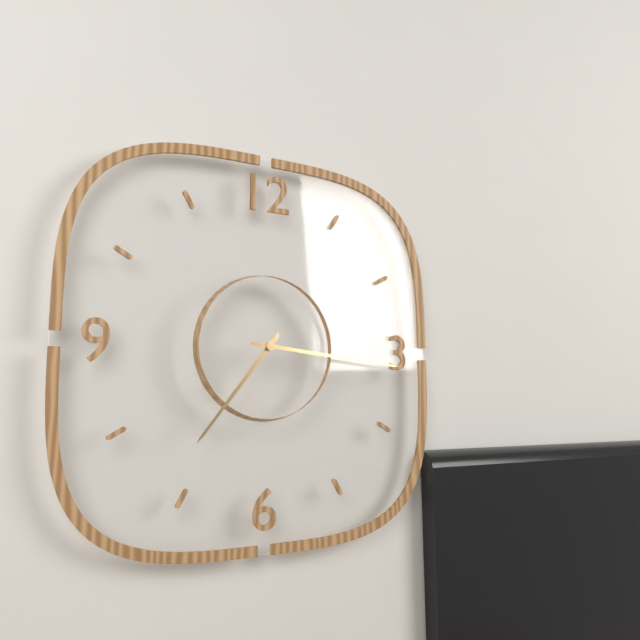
7:16
